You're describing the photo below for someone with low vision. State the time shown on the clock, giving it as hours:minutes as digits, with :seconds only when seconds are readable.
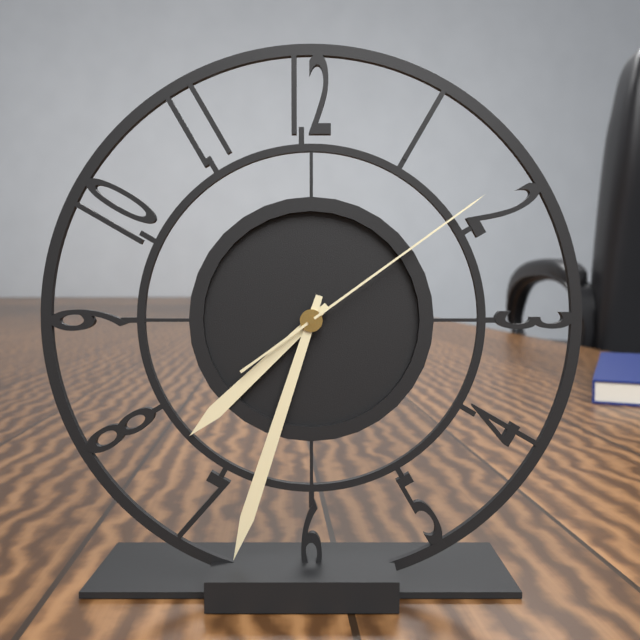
7:33:09
